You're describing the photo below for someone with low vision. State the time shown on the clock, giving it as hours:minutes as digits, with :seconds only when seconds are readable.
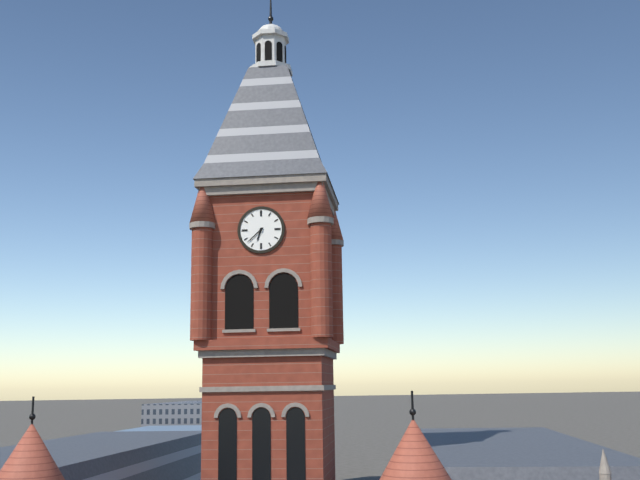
6:38
